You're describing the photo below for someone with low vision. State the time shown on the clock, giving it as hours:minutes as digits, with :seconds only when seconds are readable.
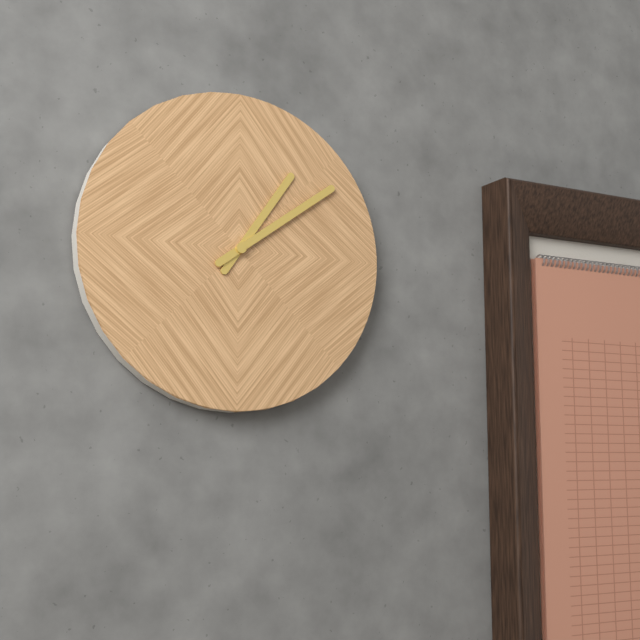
1:09
